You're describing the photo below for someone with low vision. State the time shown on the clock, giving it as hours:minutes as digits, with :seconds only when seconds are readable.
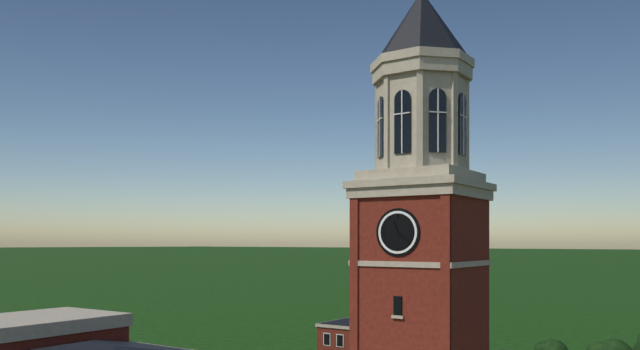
11:21
